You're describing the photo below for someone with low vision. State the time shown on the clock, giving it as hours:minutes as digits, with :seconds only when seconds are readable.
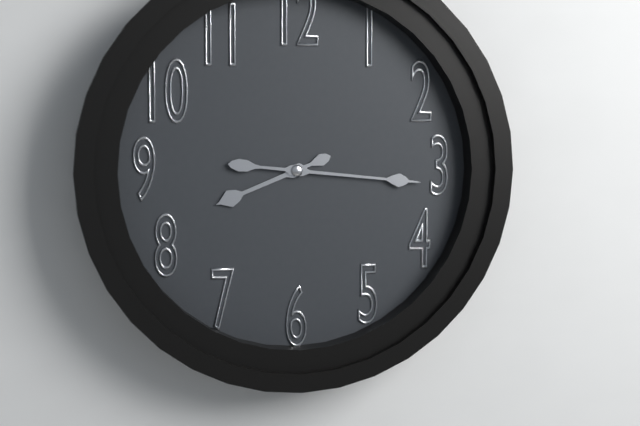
8:16
